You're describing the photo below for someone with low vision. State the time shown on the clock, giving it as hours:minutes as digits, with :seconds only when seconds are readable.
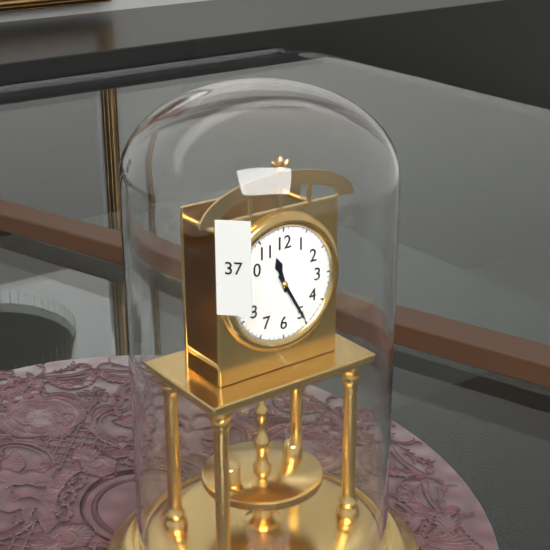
11:25
